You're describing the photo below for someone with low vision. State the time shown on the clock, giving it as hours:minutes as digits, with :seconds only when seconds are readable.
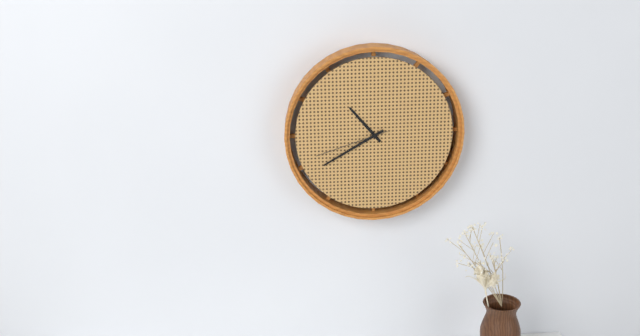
10:40:42
